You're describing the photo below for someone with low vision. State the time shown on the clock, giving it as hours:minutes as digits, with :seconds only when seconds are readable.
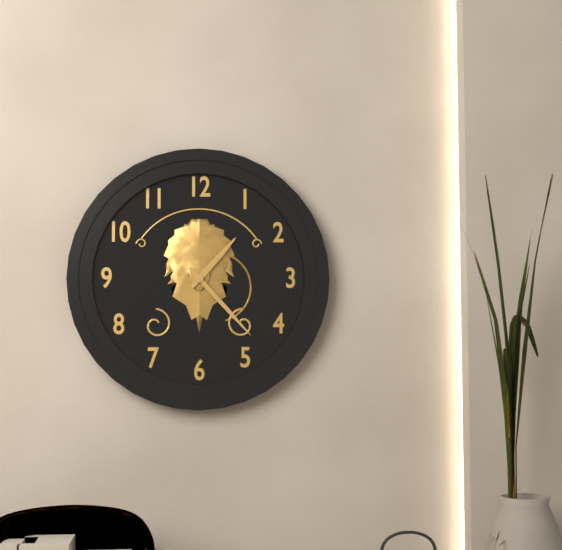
1:23
